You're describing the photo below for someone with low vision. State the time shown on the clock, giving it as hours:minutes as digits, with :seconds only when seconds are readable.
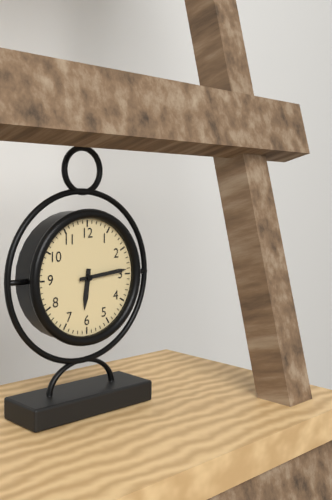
6:14
